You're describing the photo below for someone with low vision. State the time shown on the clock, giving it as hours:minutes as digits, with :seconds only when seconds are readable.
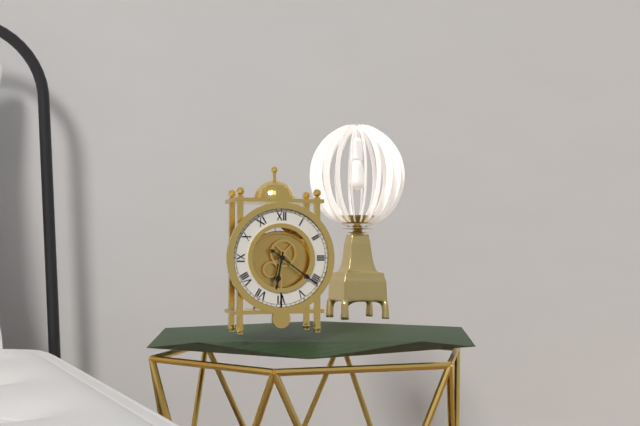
6:21
